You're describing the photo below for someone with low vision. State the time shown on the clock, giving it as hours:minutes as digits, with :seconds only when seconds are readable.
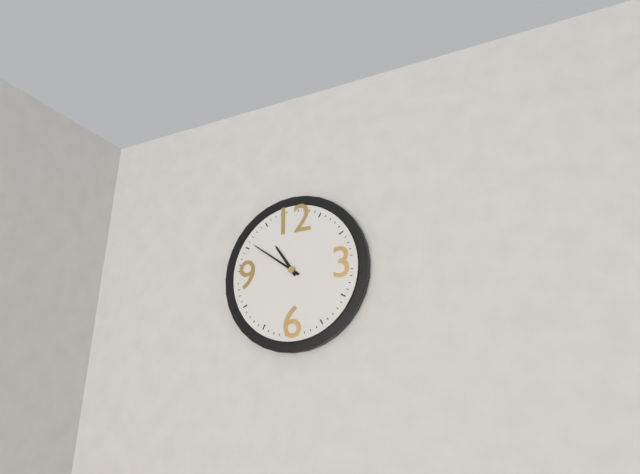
10:51
